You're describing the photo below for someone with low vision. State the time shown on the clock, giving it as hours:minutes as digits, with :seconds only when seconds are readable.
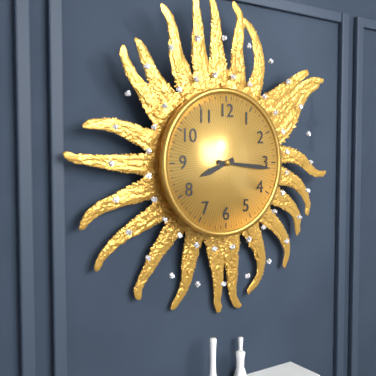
8:16
